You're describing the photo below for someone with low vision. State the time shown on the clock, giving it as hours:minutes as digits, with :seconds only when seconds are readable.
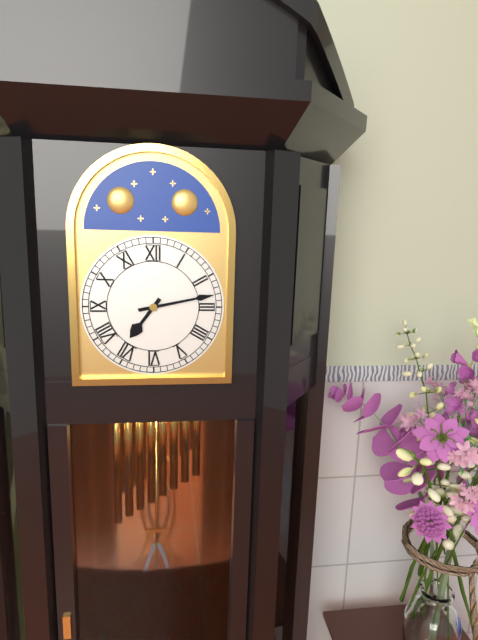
7:13
